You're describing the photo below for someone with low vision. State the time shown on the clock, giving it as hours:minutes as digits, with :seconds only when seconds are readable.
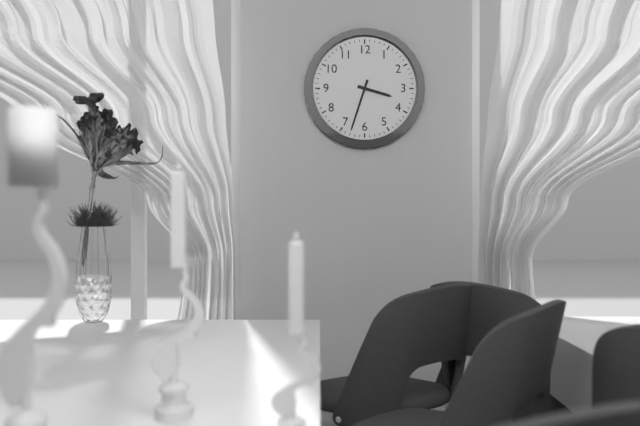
3:33
